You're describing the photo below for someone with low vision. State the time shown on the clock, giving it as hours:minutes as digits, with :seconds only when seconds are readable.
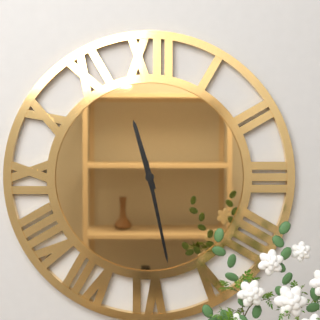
11:28
